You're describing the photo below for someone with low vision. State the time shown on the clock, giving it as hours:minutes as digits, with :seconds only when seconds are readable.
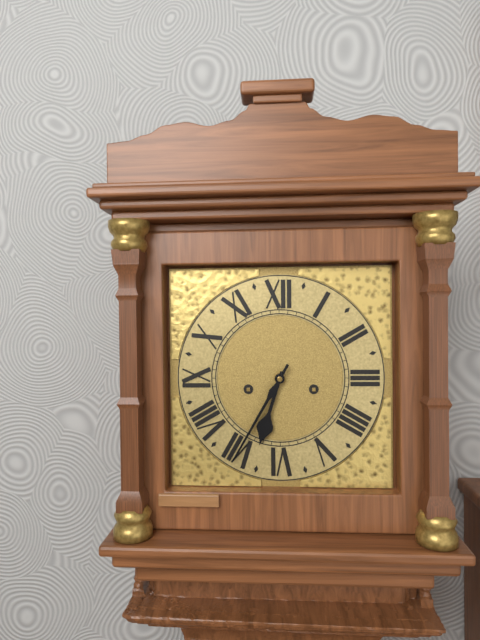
6:35
